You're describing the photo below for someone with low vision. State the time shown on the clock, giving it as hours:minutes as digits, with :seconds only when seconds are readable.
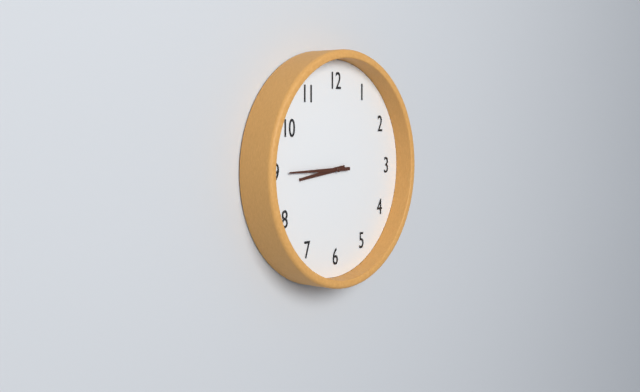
8:45
